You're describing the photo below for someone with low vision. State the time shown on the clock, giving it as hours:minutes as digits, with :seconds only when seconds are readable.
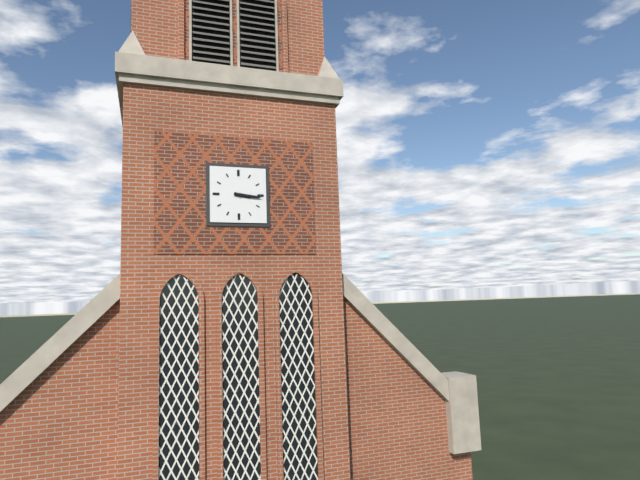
3:16
